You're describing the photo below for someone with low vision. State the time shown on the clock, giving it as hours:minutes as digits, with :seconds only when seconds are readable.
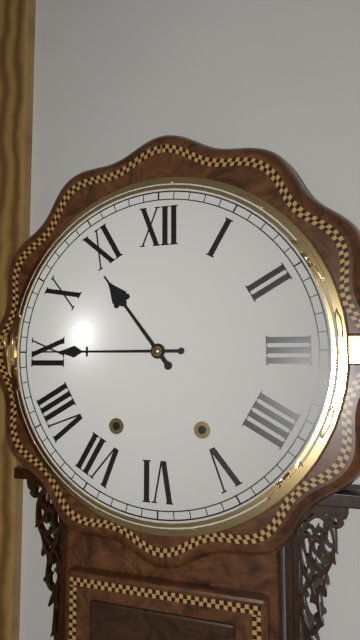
10:45
